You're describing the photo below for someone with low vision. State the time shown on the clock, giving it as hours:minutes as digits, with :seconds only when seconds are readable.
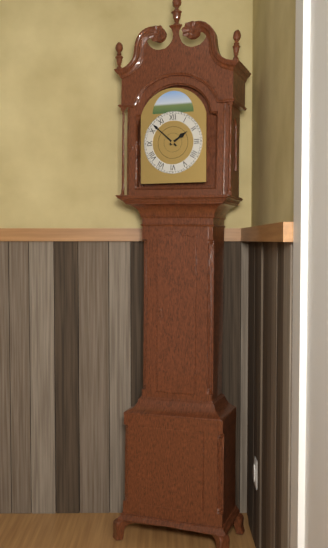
1:52
